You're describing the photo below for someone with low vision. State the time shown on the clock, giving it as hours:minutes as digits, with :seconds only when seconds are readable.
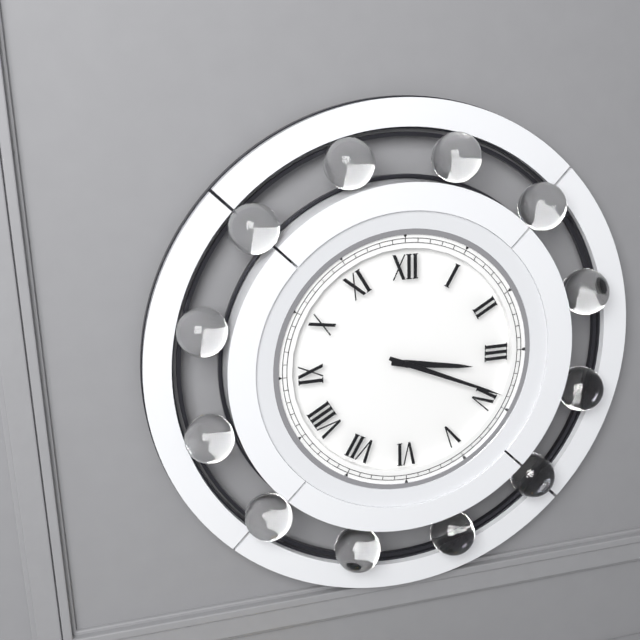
3:19
